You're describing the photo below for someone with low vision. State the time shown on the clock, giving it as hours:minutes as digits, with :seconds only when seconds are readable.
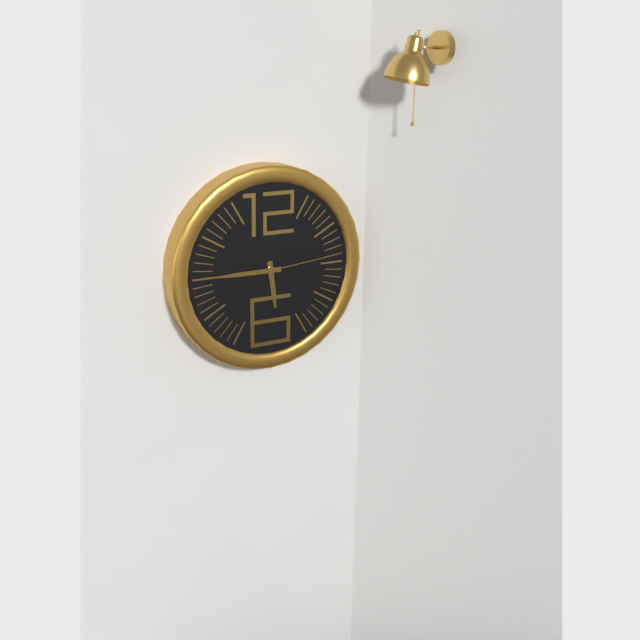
5:45:14
